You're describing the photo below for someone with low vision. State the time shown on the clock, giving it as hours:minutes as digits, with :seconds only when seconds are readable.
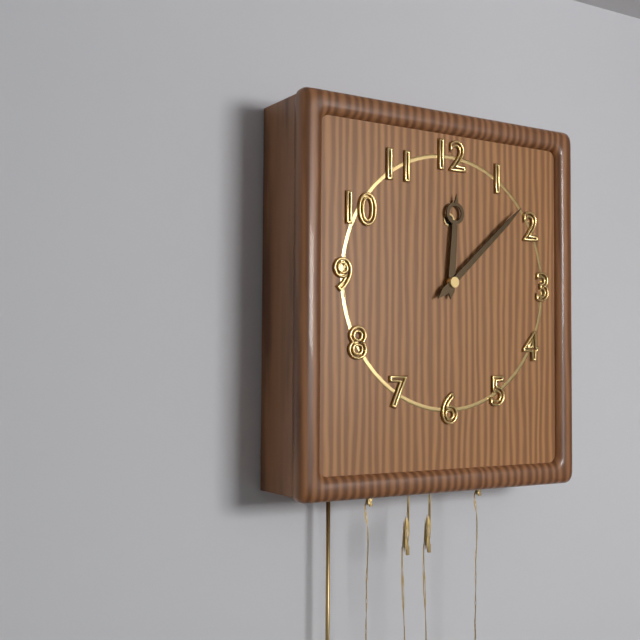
12:08
